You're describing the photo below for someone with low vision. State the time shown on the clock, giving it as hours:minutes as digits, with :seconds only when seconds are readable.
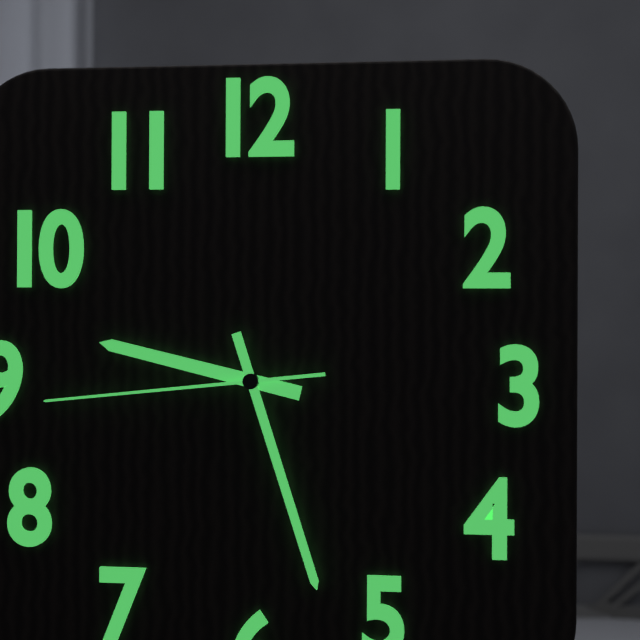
9:27:44
